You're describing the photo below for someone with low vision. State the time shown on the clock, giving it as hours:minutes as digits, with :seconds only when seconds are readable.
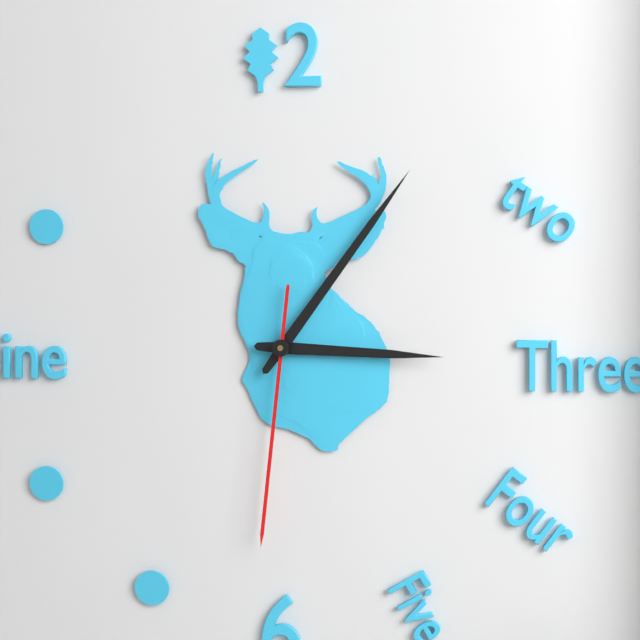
3:06:31
